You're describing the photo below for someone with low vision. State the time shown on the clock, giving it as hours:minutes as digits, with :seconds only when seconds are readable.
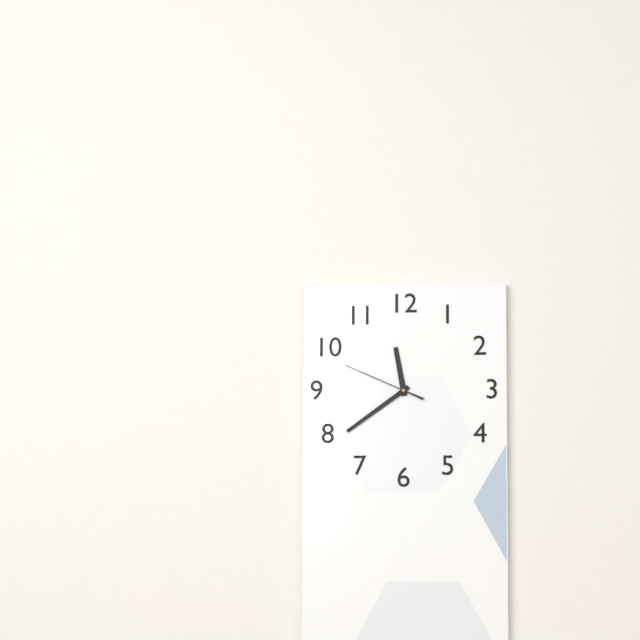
11:39:49
